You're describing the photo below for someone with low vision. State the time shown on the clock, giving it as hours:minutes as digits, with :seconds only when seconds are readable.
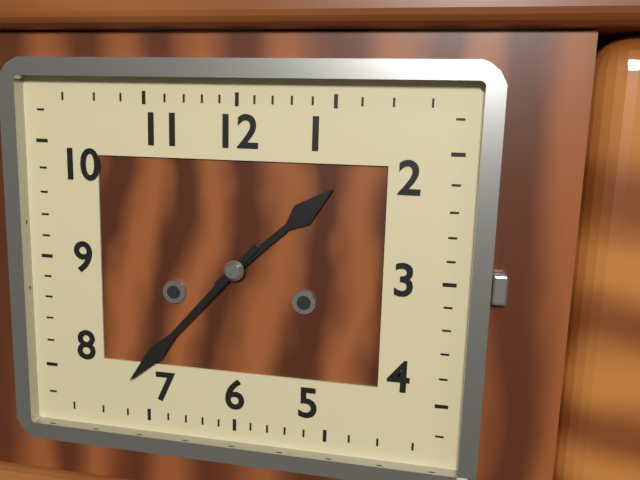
1:37
